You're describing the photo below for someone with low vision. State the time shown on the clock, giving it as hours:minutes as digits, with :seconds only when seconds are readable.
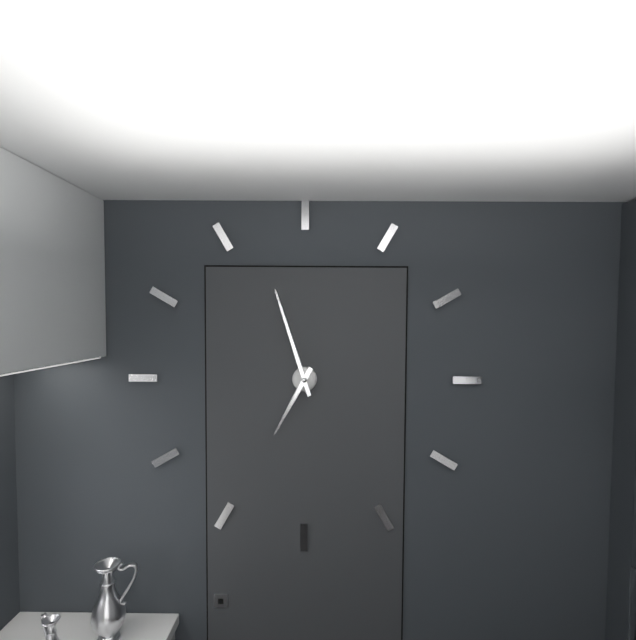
6:57
